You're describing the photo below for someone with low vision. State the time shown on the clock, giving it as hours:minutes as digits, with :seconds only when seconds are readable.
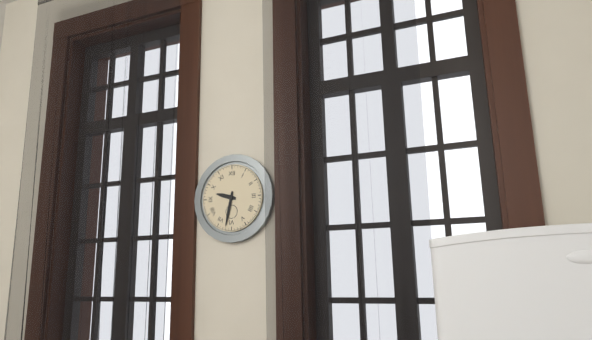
9:32
